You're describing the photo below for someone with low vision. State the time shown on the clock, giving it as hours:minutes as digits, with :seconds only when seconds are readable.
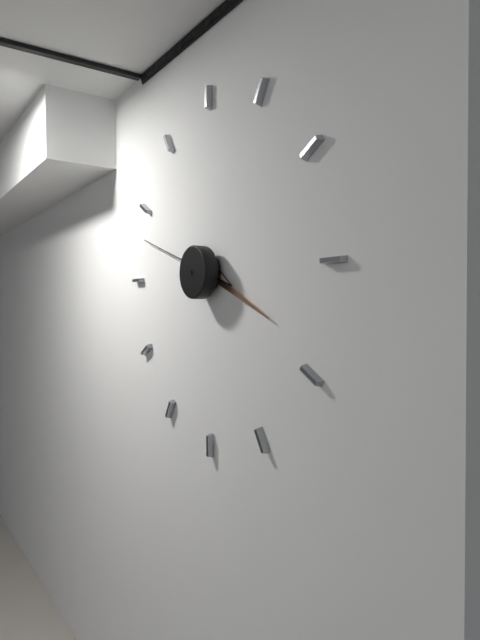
3:48
